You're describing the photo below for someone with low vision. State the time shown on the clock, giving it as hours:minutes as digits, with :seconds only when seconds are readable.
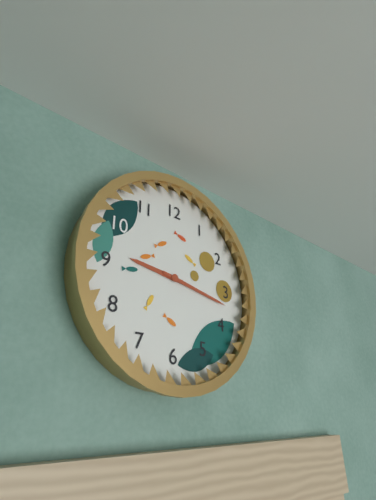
9:17
